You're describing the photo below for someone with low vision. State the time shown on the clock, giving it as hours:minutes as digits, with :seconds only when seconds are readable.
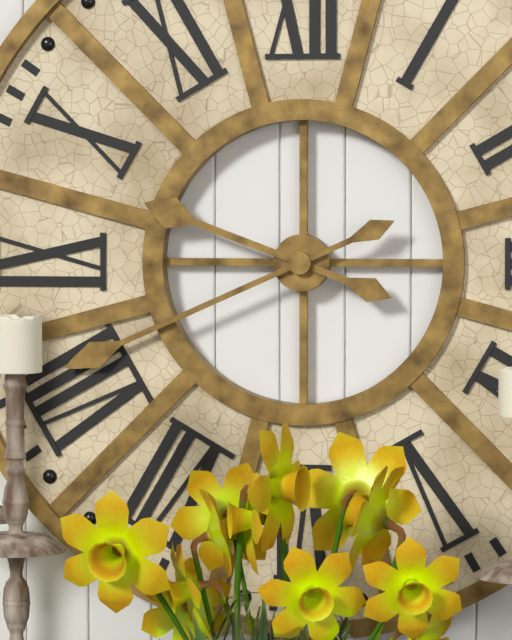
9:41
